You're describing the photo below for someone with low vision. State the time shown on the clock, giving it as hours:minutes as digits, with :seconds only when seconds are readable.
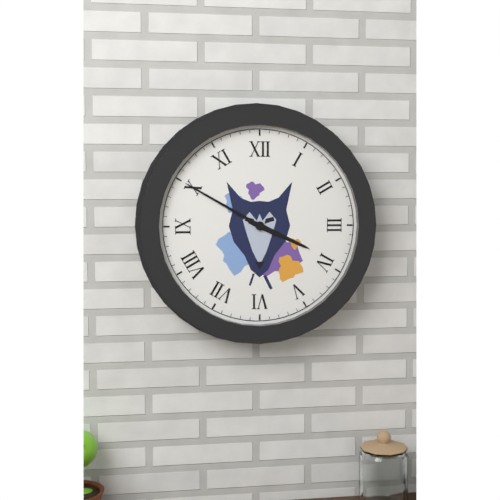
3:50
